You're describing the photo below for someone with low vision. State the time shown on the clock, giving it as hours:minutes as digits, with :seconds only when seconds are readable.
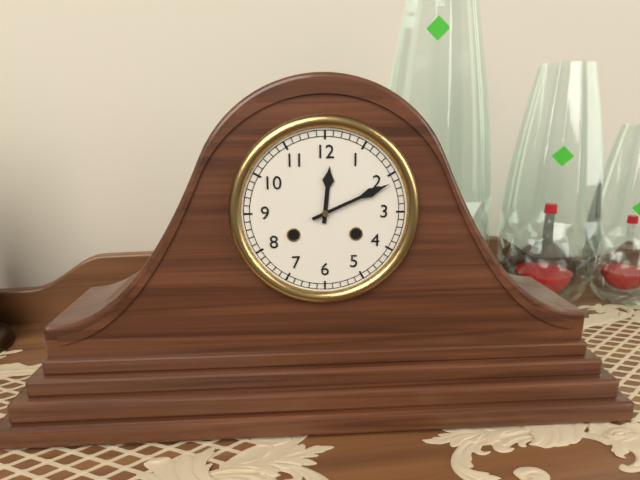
12:11
